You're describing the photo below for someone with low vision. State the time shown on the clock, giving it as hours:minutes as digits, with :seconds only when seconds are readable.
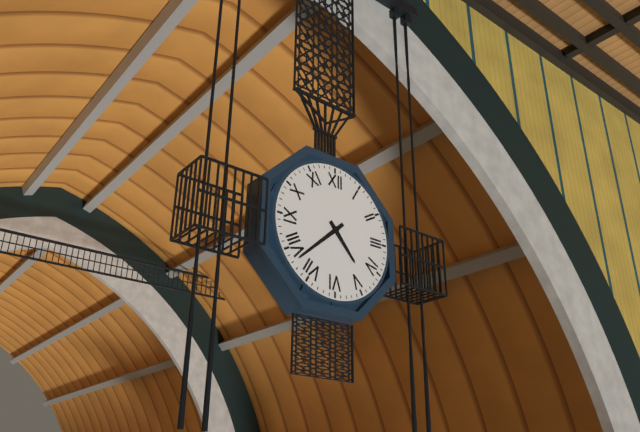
4:38
